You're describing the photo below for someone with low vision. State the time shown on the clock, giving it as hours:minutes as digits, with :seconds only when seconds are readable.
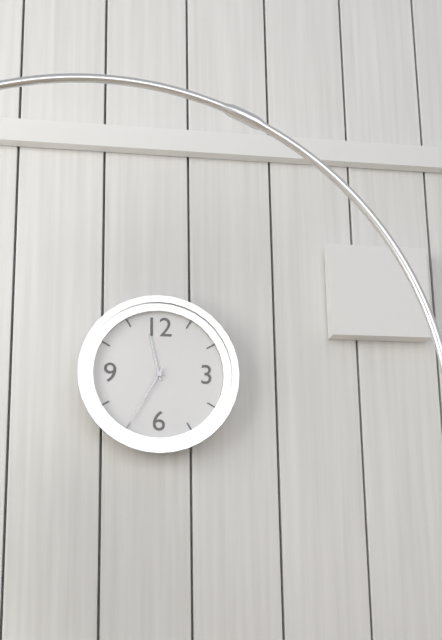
11:35
